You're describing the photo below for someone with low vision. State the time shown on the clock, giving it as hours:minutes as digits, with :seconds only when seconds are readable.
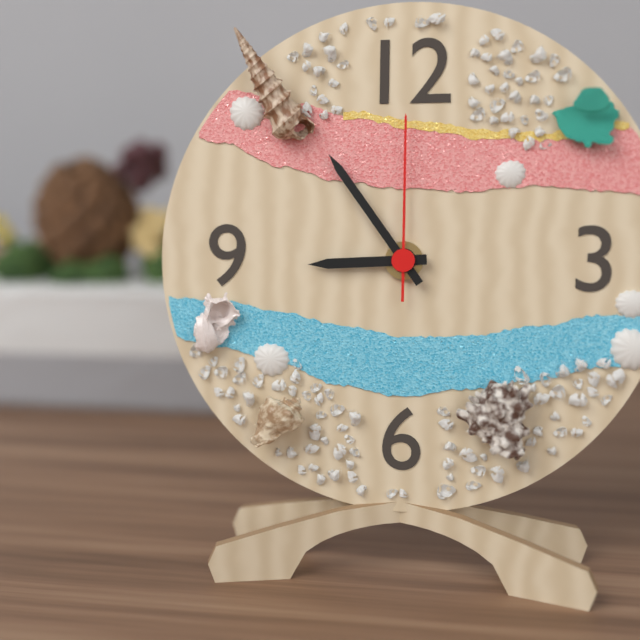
8:54:00
